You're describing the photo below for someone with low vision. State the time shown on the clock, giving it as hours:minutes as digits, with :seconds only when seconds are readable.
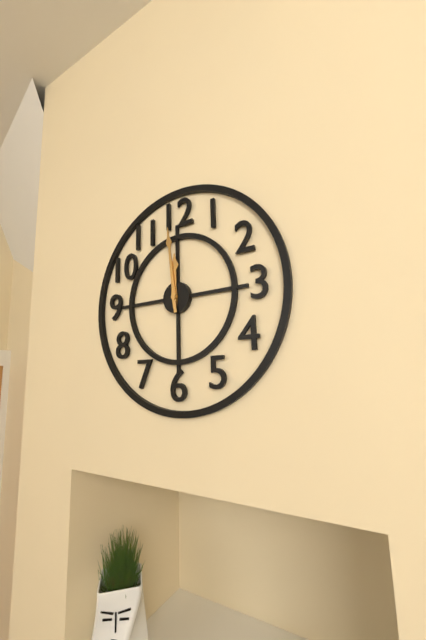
11:59
